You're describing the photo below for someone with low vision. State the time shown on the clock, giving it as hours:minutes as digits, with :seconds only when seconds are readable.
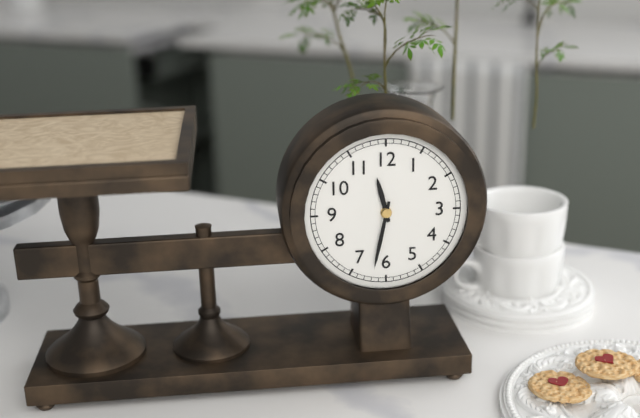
11:32
